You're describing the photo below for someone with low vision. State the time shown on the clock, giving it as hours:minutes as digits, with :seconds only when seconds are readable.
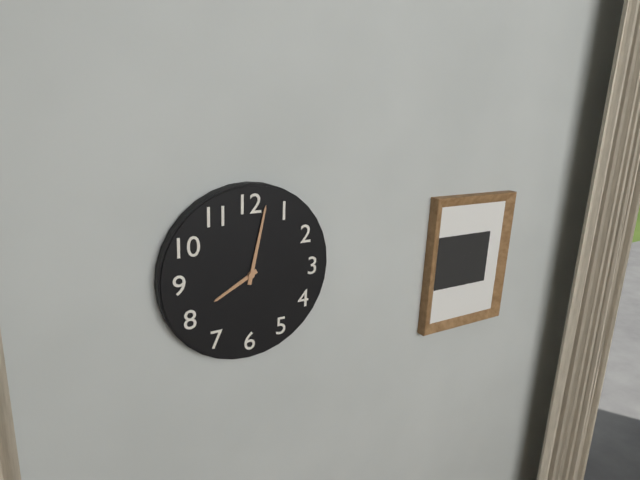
8:02
